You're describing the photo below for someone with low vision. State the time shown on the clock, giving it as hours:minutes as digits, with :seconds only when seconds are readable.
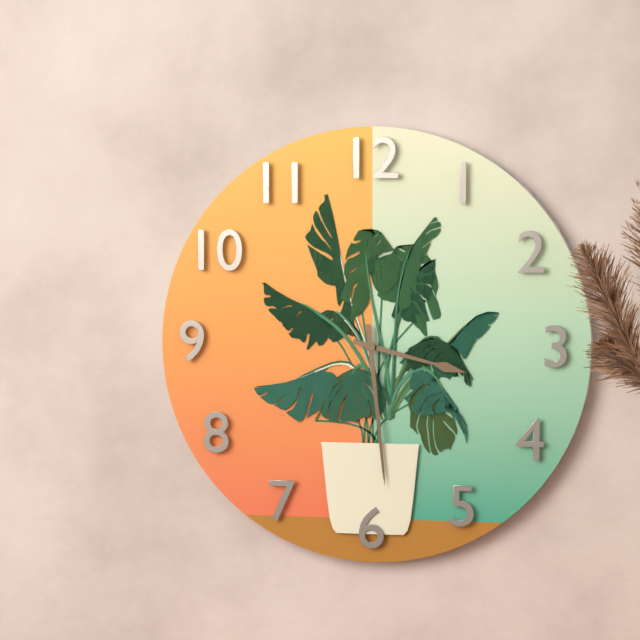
3:29
